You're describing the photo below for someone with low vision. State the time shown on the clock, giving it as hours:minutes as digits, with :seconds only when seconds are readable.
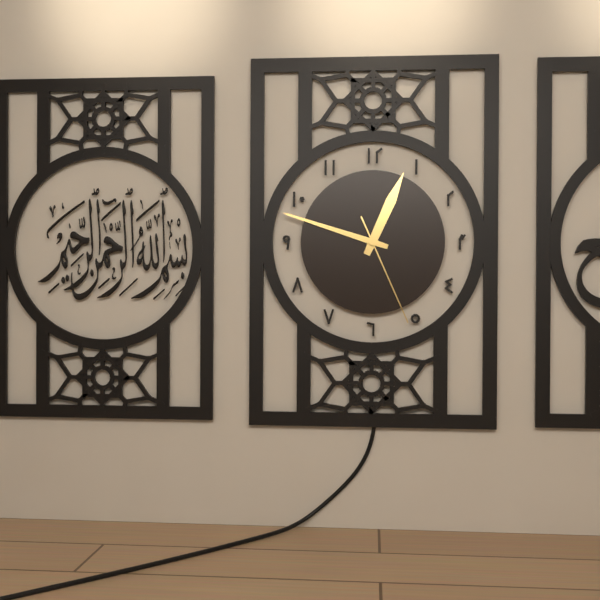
12:48:26
